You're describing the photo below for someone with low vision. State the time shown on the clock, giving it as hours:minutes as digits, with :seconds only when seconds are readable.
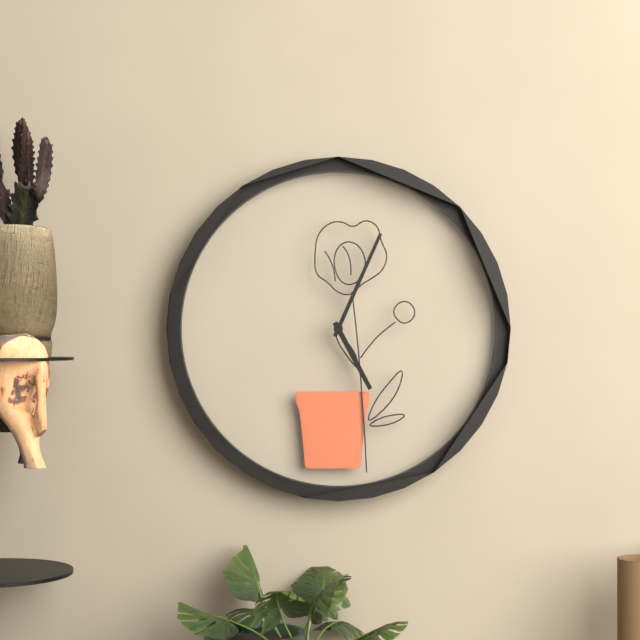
5:04
